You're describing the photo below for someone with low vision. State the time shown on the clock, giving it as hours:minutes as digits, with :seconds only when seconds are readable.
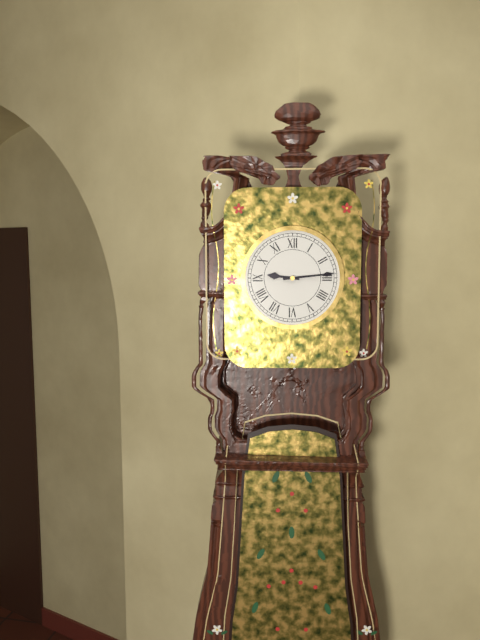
9:14
